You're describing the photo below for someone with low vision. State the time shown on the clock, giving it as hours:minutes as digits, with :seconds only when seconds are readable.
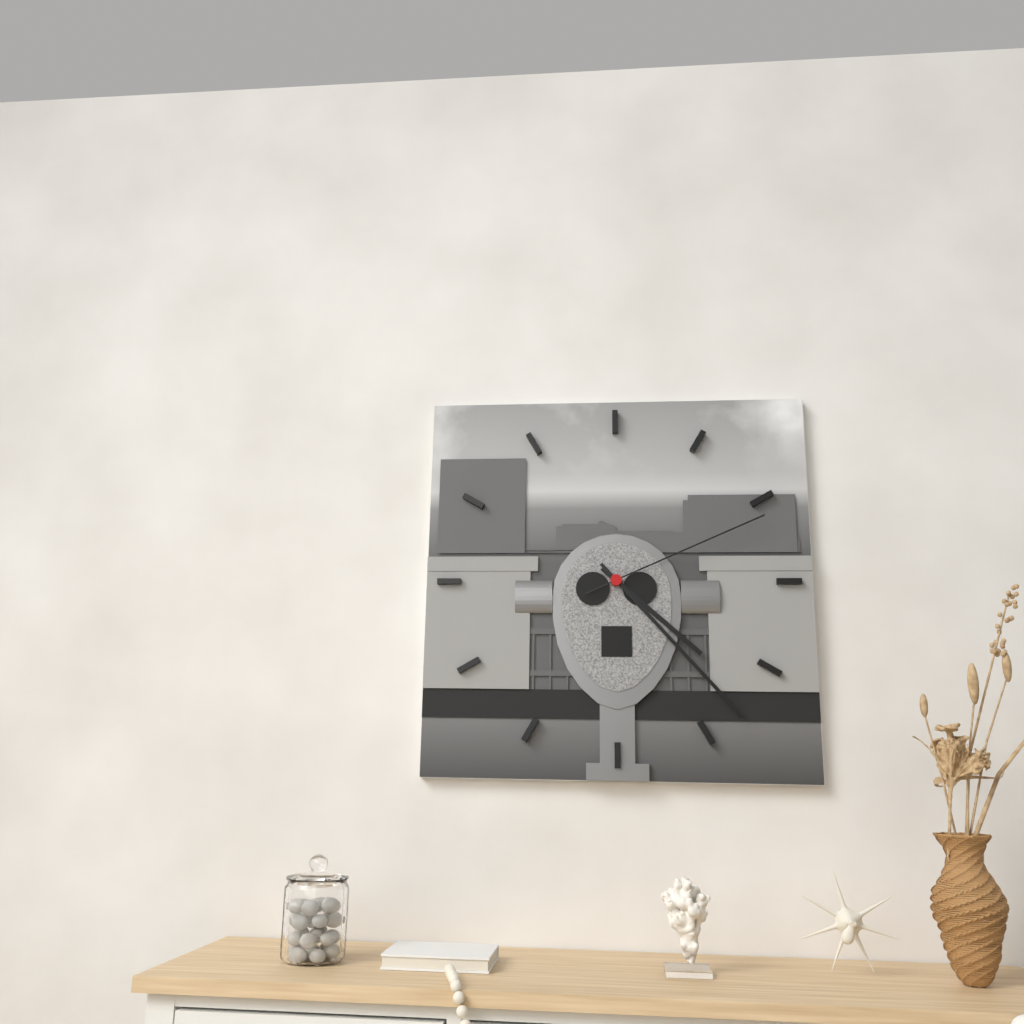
4:23:11
